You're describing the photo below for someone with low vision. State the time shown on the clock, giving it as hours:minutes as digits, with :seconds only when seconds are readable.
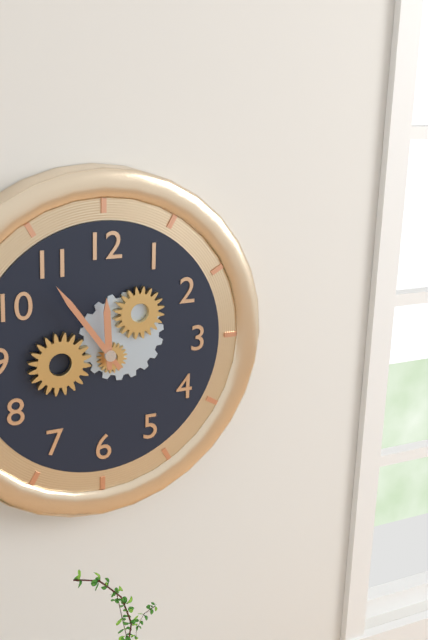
11:54
